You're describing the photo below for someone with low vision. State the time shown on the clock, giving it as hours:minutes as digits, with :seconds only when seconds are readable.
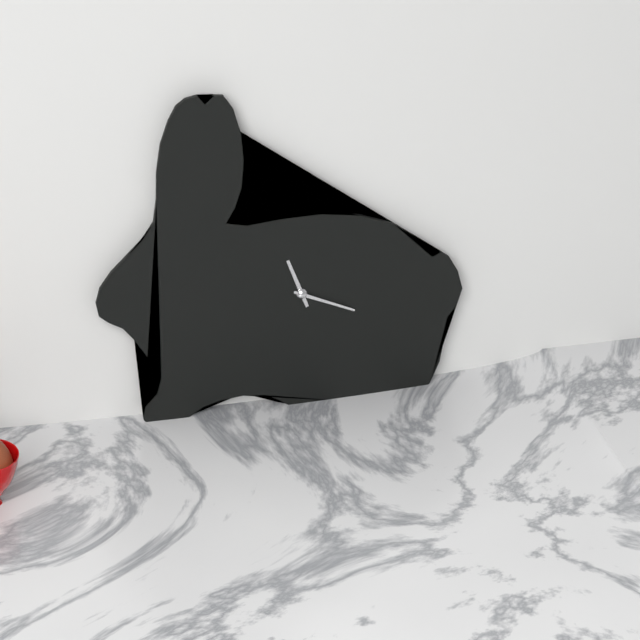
11:19
